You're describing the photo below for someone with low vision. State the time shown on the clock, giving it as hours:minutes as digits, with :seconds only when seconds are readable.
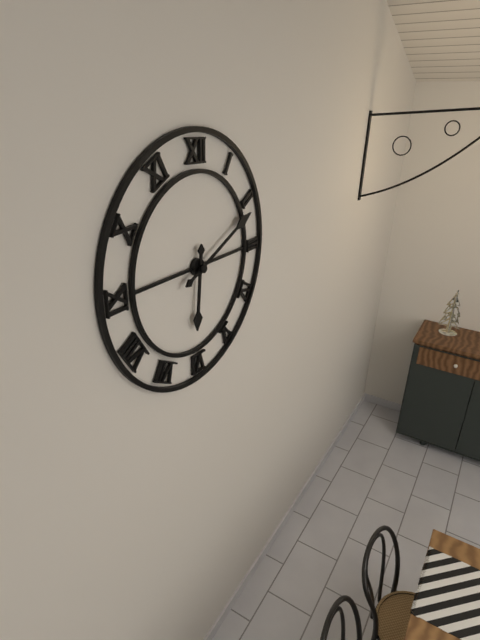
6:11
